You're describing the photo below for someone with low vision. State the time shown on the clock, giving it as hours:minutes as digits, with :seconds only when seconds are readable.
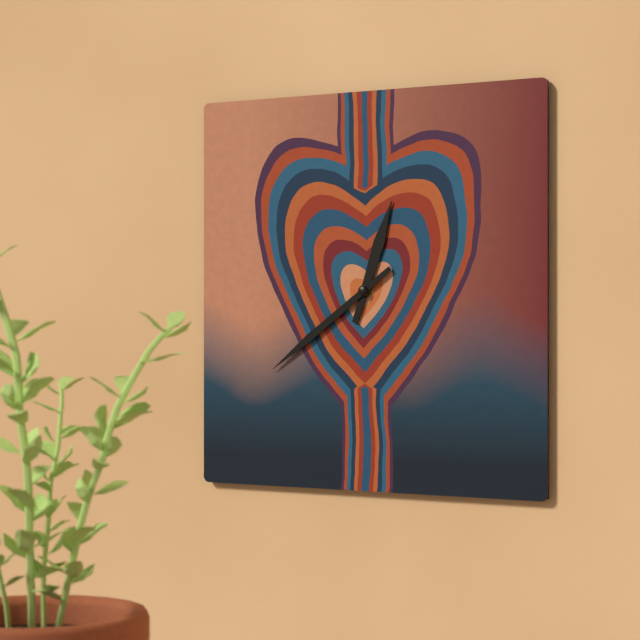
12:39
